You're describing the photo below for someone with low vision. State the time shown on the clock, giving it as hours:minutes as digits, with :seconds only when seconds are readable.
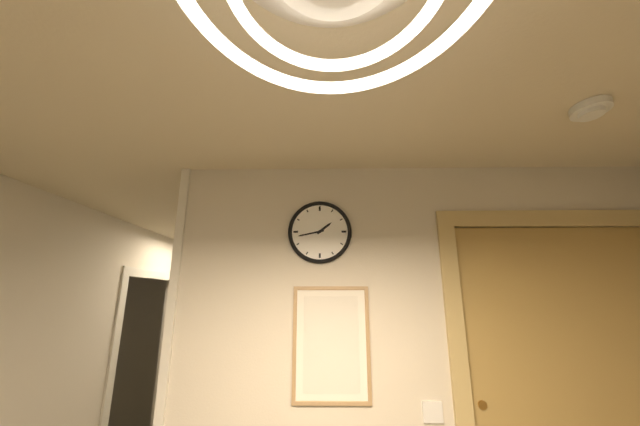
1:43
